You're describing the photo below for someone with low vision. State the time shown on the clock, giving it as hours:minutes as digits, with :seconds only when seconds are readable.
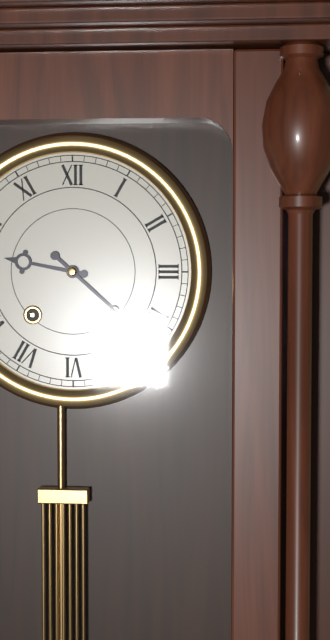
9:22
